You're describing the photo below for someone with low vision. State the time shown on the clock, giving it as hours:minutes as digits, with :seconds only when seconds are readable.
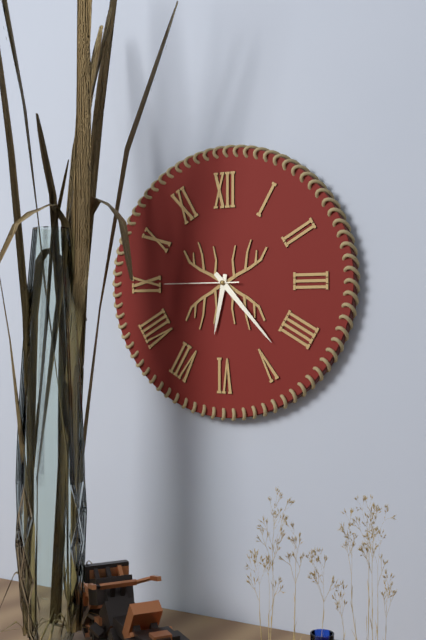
6:23:45
